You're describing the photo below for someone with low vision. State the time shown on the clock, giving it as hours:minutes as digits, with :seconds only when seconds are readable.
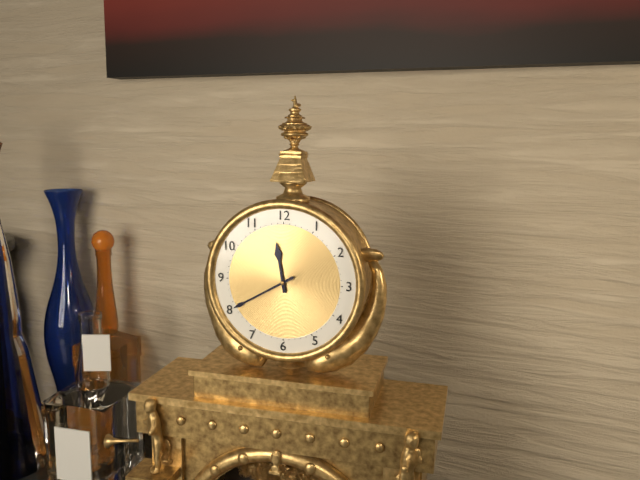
11:40
